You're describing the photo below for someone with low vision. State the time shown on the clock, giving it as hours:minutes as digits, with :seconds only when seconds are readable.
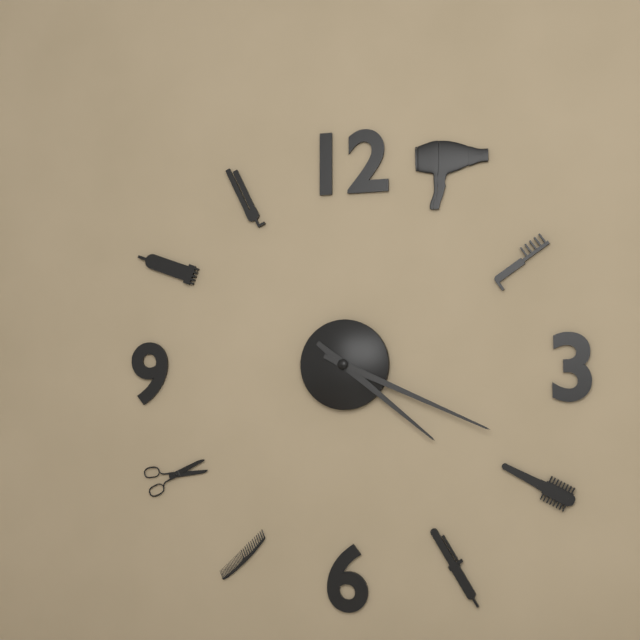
4:19
